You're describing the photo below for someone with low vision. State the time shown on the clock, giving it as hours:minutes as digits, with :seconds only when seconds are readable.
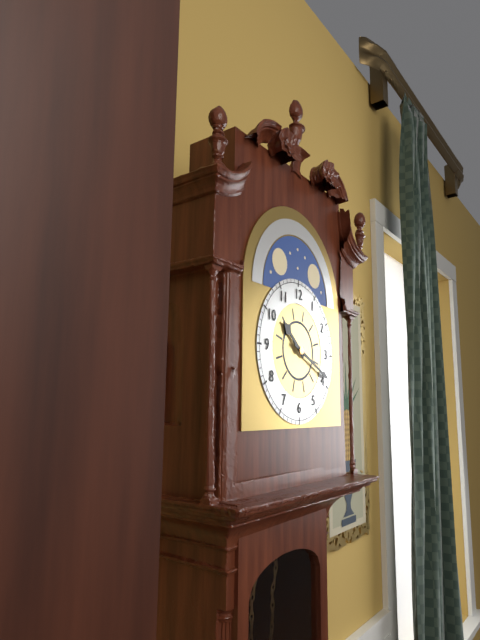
10:19
